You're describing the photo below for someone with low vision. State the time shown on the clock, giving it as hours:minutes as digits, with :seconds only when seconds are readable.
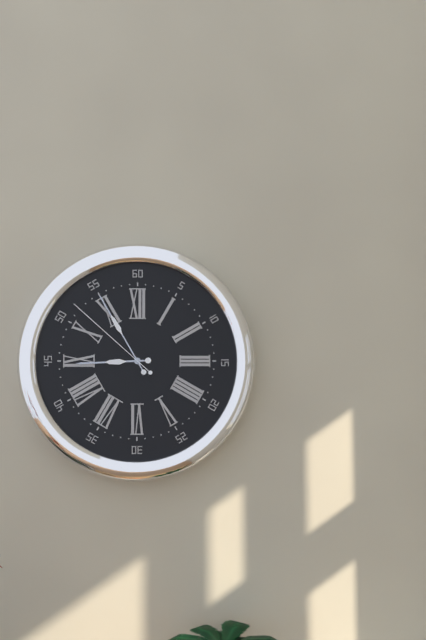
8:55:52
